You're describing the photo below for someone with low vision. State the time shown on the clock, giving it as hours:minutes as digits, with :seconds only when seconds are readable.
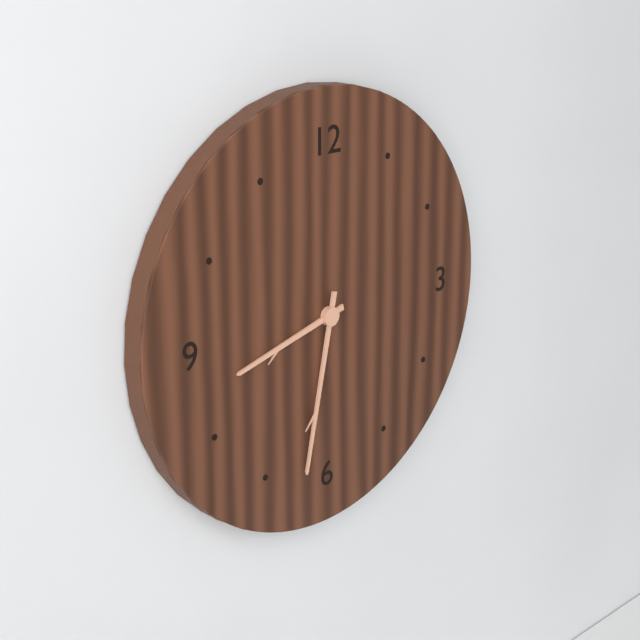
8:32
